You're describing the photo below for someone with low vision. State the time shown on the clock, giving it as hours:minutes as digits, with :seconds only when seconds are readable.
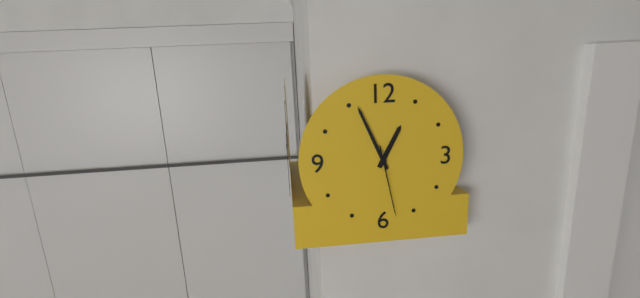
12:56:28
